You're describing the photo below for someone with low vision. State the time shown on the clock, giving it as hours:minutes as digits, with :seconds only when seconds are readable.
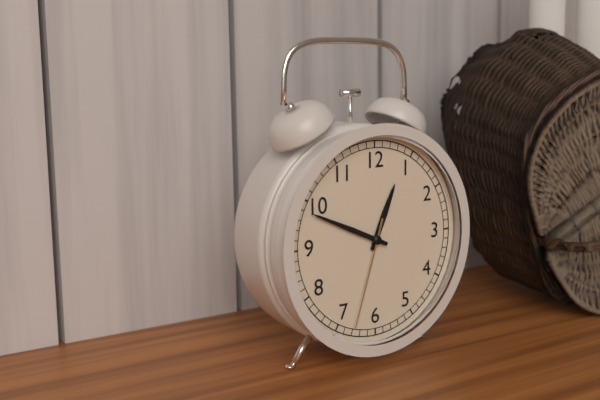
12:49:33
